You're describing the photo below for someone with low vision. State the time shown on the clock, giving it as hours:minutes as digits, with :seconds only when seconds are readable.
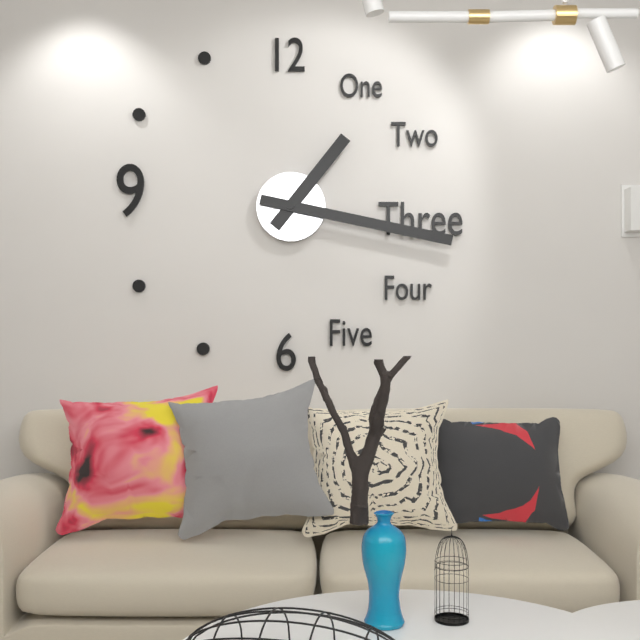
1:17
